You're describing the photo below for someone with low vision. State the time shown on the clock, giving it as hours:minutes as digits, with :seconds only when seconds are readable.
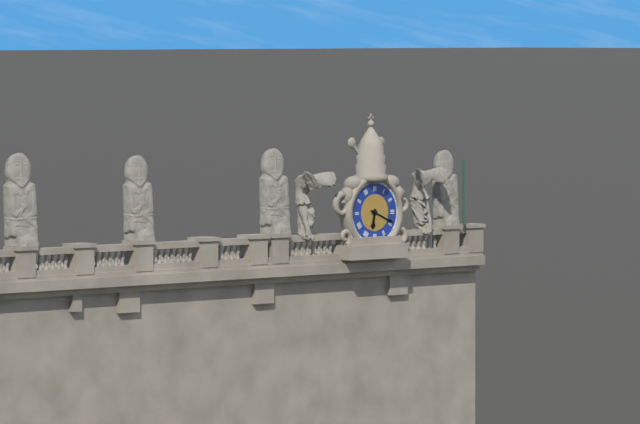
6:19
